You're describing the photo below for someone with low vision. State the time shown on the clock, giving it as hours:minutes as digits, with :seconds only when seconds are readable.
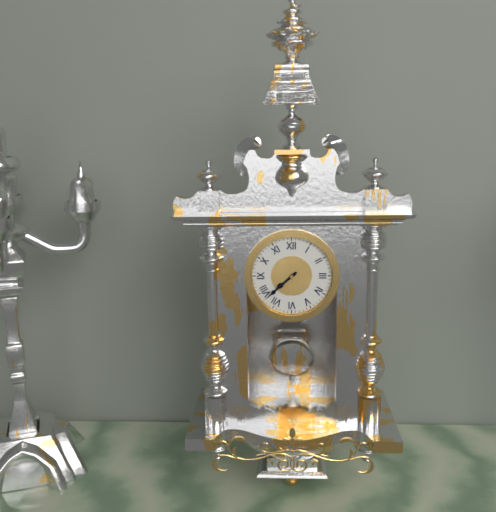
7:38
